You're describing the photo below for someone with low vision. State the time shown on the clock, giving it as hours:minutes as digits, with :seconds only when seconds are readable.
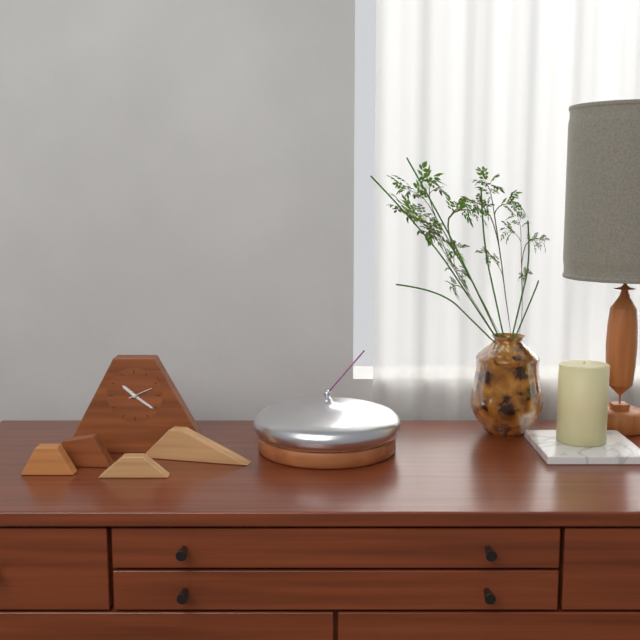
10:21
